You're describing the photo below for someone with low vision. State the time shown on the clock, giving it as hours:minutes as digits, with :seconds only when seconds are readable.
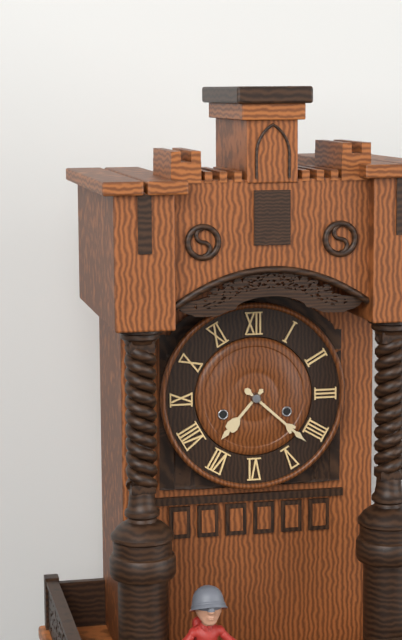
7:22
